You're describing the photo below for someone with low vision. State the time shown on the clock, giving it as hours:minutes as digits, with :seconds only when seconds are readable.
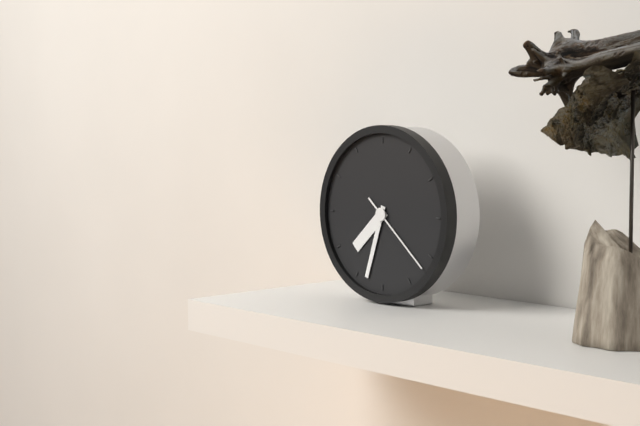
7:33:22
